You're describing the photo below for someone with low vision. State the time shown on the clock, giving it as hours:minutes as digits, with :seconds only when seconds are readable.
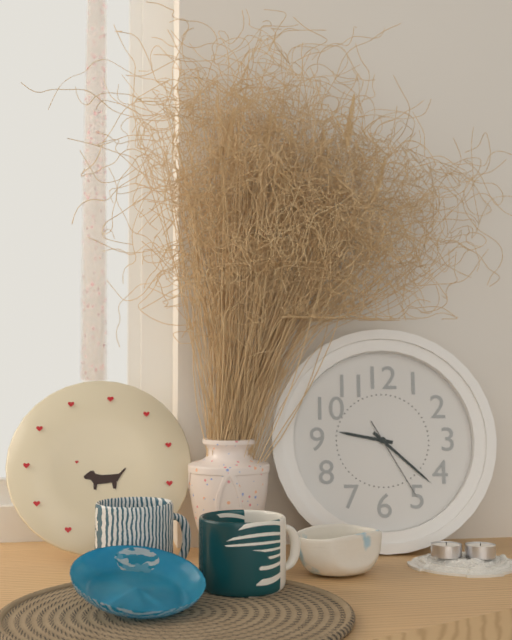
9:22:25
